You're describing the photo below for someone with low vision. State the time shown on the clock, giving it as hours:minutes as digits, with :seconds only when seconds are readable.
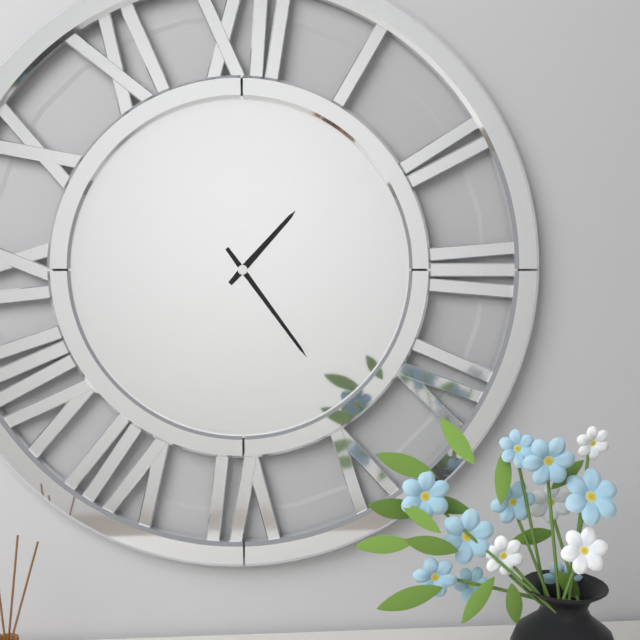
1:24
